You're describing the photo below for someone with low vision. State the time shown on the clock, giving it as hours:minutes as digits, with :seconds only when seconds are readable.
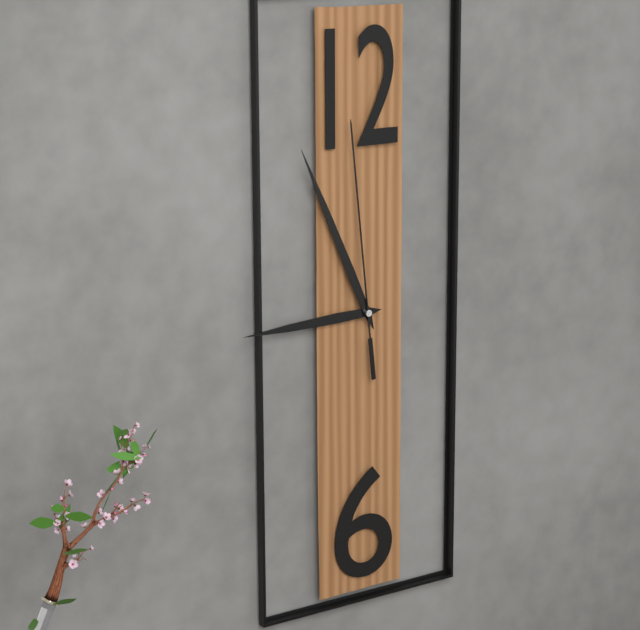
8:56:59
